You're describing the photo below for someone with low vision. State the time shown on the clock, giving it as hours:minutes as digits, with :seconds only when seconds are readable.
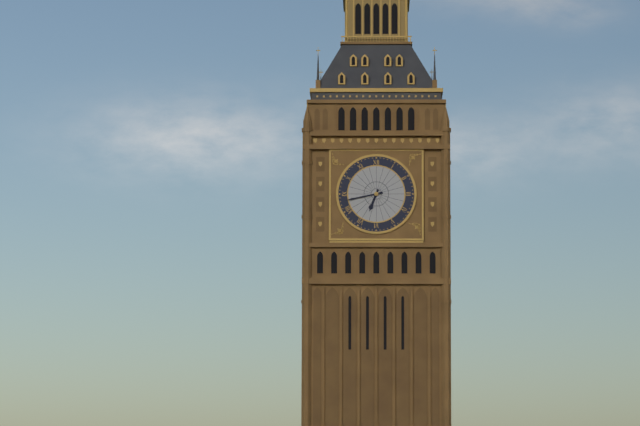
6:43
